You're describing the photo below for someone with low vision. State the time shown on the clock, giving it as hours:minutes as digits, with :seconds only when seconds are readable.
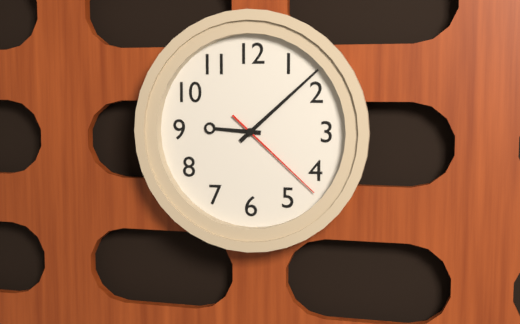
9:08:22
